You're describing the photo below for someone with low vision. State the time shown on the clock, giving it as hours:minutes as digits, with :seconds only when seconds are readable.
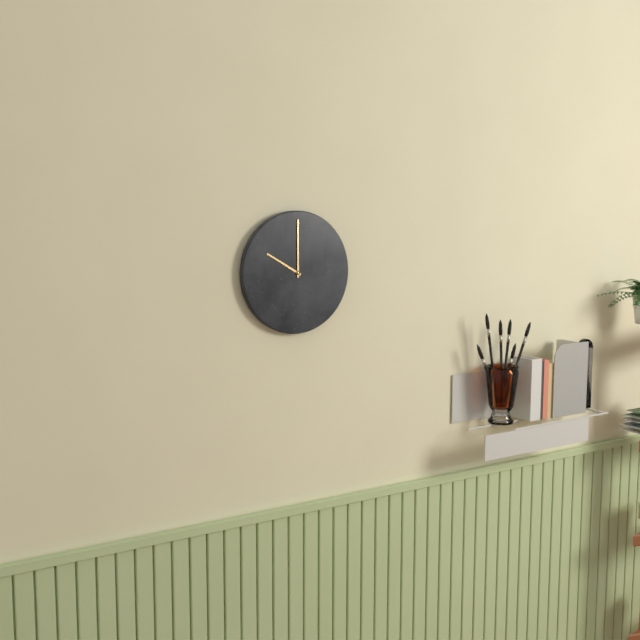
10:00
